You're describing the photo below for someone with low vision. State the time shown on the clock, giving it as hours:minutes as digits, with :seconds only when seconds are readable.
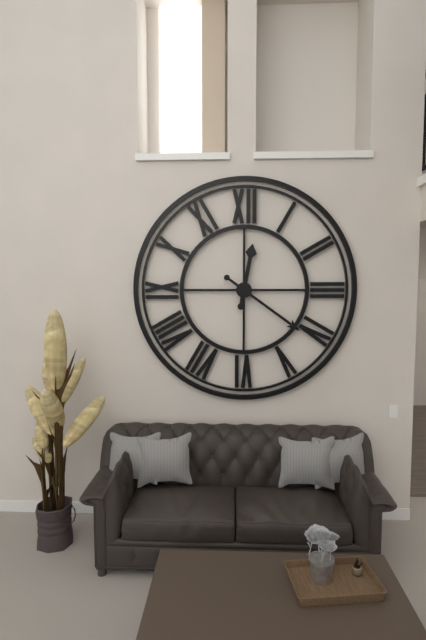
12:21
